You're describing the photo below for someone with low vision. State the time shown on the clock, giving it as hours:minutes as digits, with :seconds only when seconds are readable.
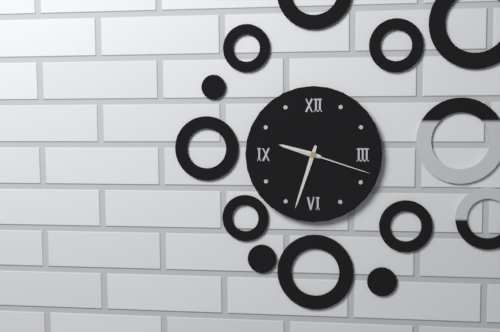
9:33:18
